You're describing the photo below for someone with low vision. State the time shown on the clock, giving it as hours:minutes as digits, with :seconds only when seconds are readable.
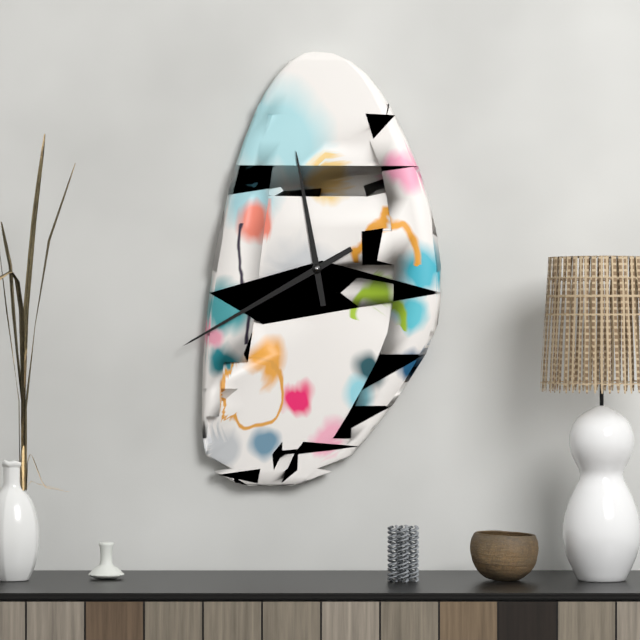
11:40
